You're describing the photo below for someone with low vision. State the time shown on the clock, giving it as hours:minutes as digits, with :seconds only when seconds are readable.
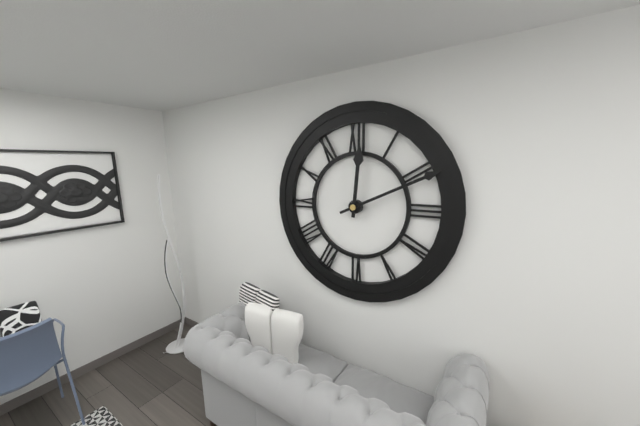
12:11
